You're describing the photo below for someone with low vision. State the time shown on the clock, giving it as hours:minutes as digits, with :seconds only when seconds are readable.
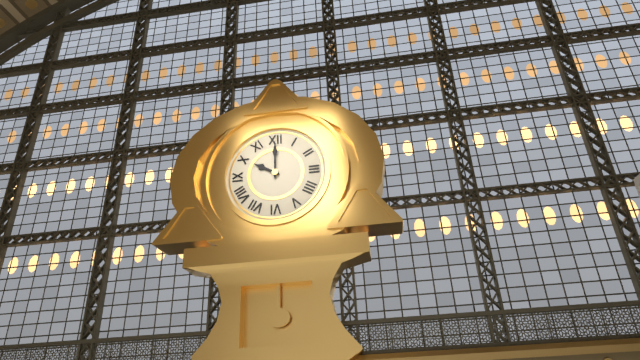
10:00
